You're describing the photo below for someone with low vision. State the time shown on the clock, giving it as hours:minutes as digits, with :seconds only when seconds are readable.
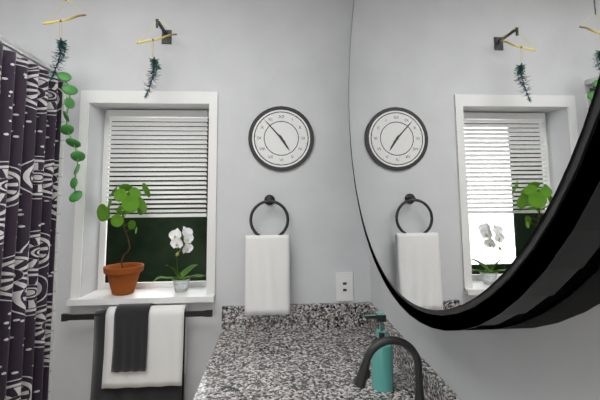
4:53
